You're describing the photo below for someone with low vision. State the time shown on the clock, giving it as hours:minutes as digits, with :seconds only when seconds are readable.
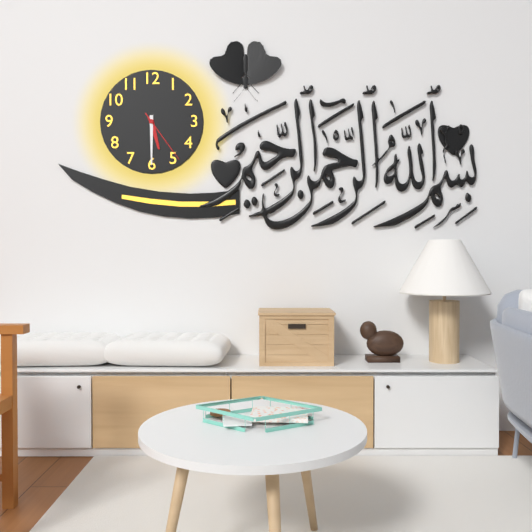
5:30:24
